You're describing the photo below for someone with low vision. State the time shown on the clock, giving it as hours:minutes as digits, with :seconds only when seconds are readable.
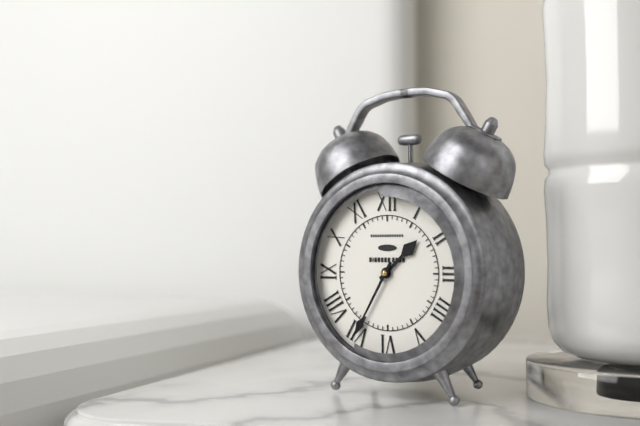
1:35
